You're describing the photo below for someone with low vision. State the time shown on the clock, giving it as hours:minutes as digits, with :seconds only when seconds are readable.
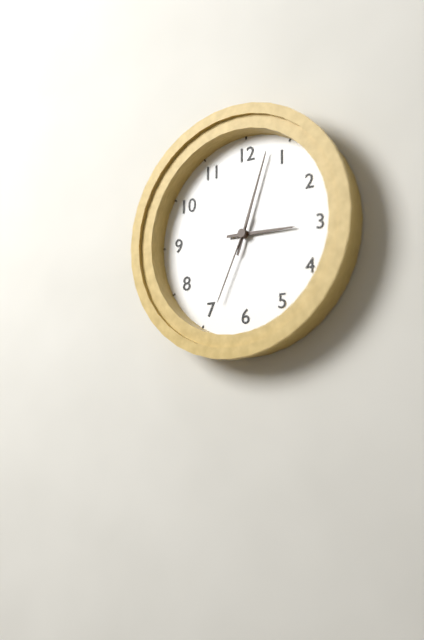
3:03:34
